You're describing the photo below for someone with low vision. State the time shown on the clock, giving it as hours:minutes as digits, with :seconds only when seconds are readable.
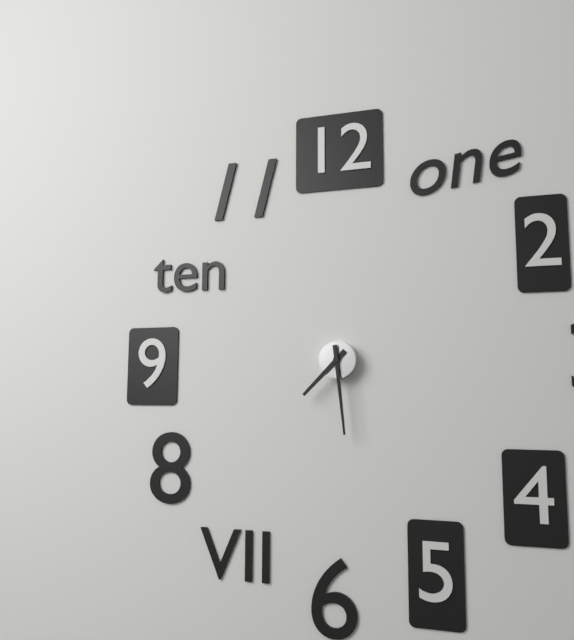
7:29
